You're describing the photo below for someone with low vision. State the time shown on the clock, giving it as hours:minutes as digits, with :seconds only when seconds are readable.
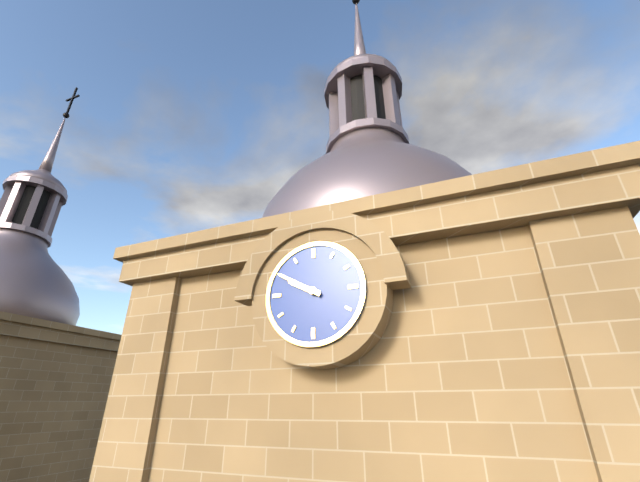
9:50
